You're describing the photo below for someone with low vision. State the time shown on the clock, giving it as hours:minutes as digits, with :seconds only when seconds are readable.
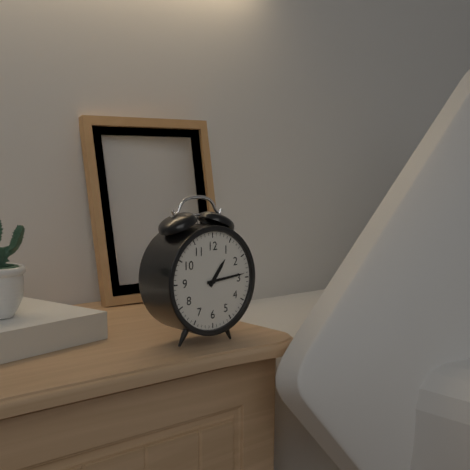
1:14
